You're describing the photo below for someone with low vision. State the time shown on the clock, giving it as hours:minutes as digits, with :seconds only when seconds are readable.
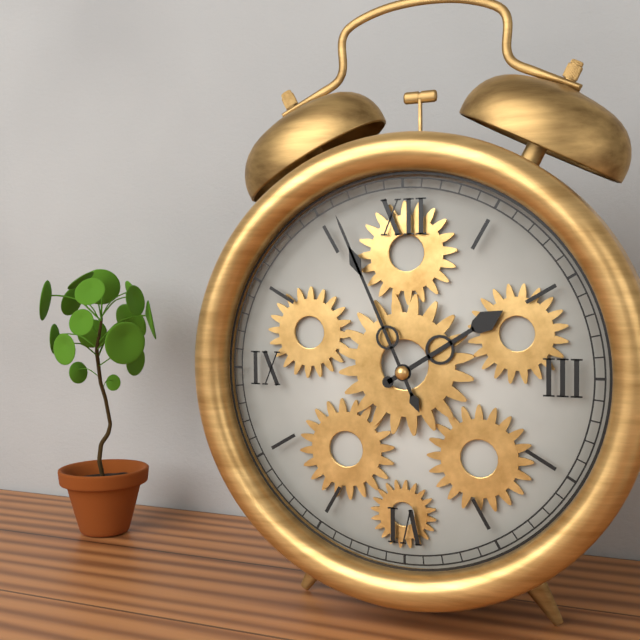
1:56
